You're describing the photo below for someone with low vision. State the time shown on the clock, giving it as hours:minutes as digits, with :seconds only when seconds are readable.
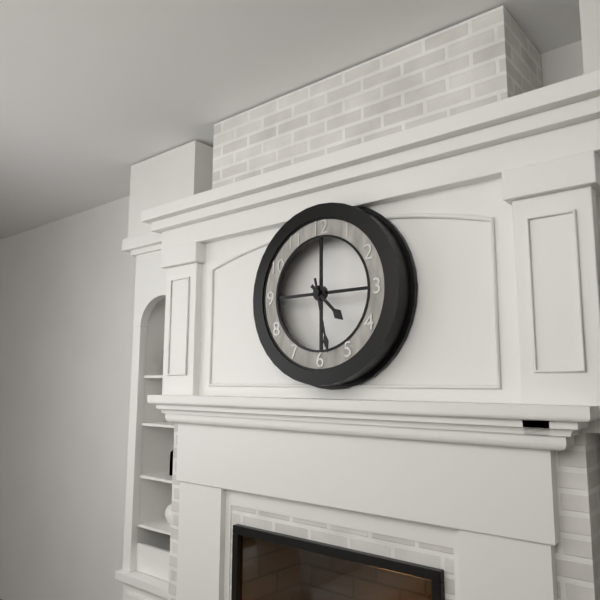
4:28
